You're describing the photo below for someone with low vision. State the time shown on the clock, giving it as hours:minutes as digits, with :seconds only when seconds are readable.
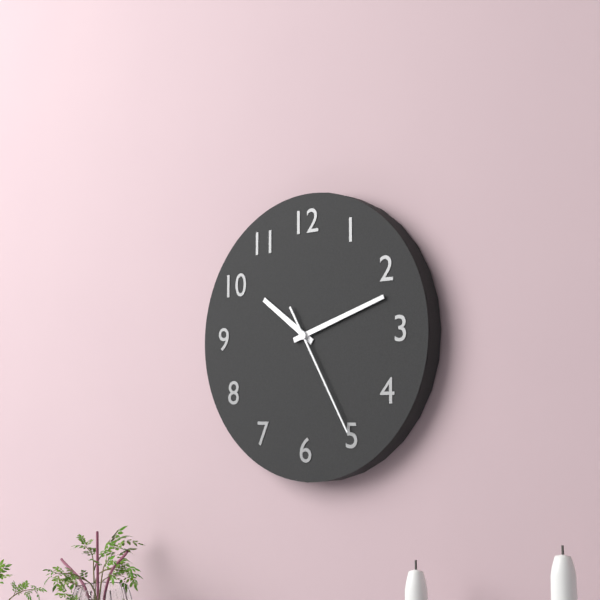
10:12:25
